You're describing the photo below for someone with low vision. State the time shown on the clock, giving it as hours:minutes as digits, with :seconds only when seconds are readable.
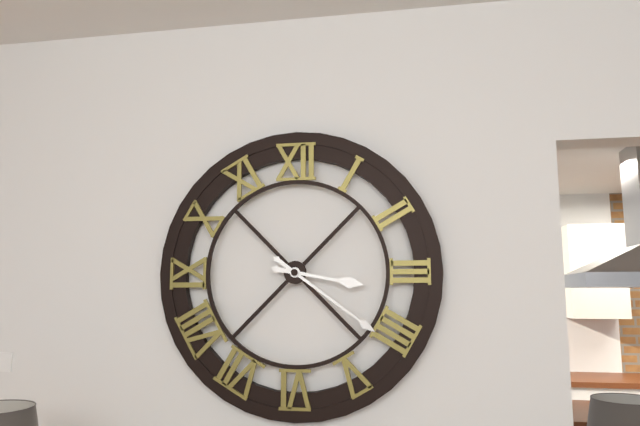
3:21
